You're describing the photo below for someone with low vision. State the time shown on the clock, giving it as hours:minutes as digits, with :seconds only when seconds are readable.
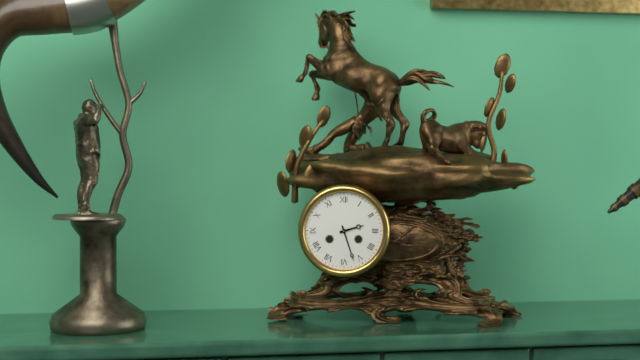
2:27
